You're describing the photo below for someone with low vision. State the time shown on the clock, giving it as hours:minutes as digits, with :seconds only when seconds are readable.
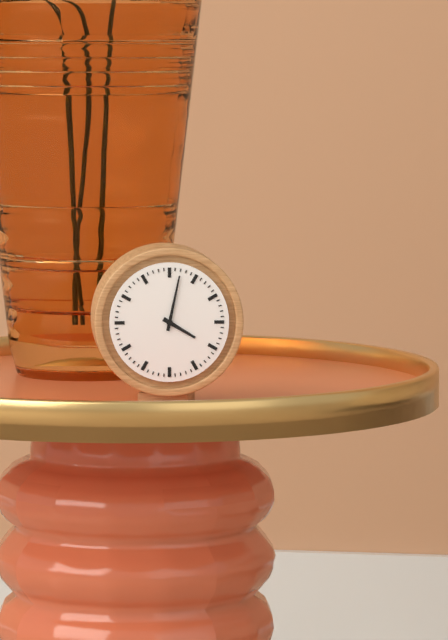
4:02
